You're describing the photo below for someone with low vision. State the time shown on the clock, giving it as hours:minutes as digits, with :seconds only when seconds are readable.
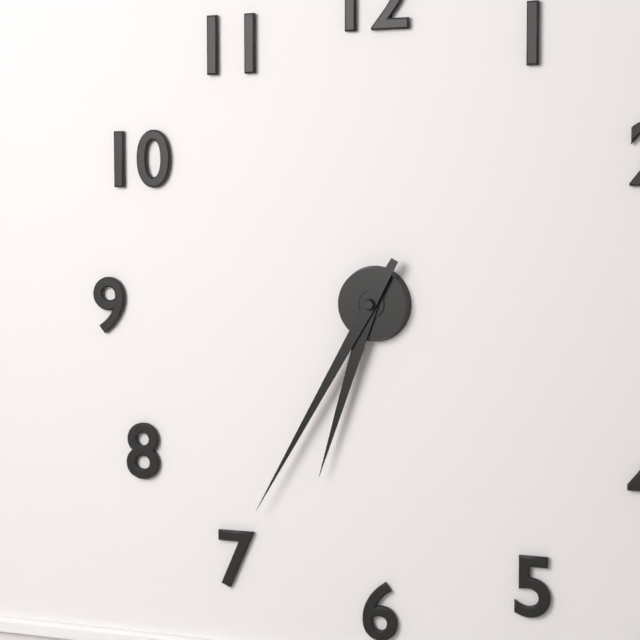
6:35
